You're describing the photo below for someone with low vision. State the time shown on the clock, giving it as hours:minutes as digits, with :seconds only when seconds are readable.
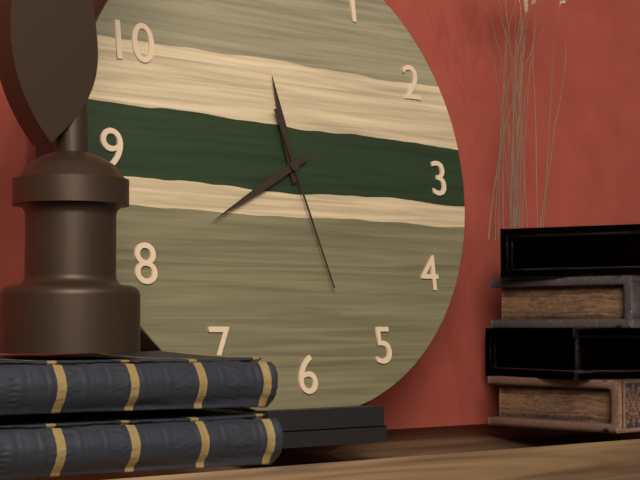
11:40:27
